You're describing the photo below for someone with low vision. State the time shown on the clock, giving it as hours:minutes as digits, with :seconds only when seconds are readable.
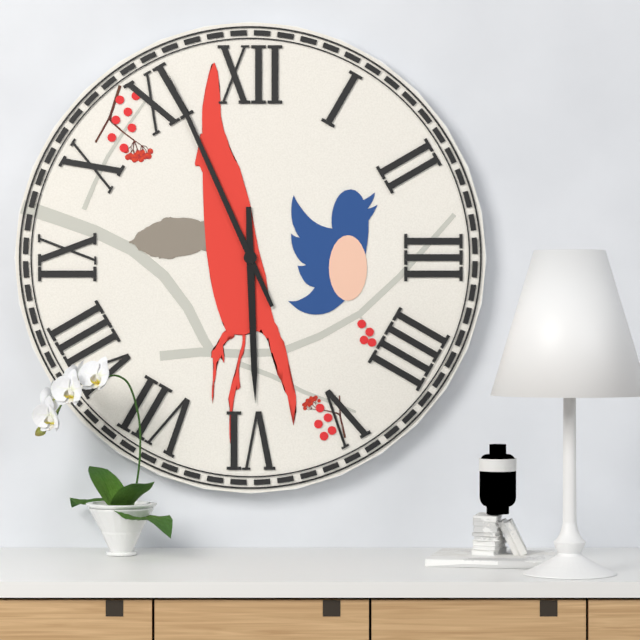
5:56
